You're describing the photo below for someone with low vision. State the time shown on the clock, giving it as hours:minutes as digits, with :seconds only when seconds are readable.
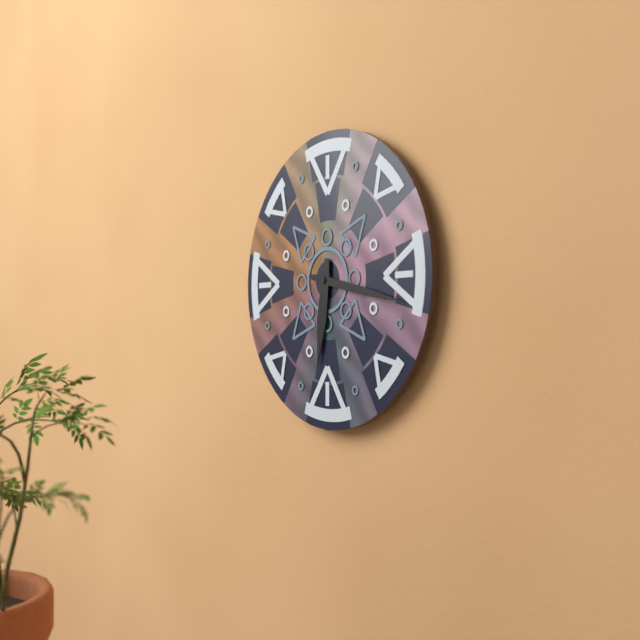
6:17
